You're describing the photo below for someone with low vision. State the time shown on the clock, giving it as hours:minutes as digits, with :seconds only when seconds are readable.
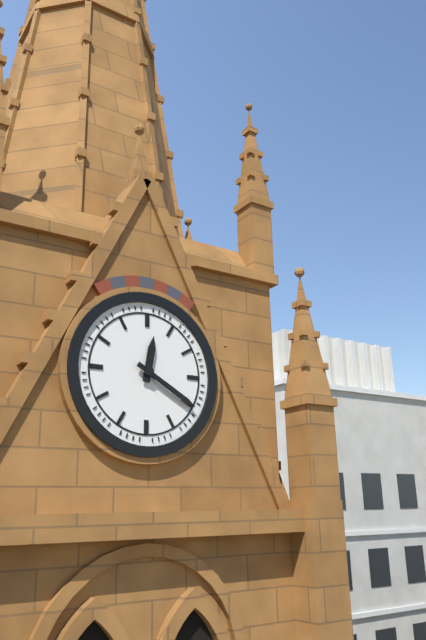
12:20
